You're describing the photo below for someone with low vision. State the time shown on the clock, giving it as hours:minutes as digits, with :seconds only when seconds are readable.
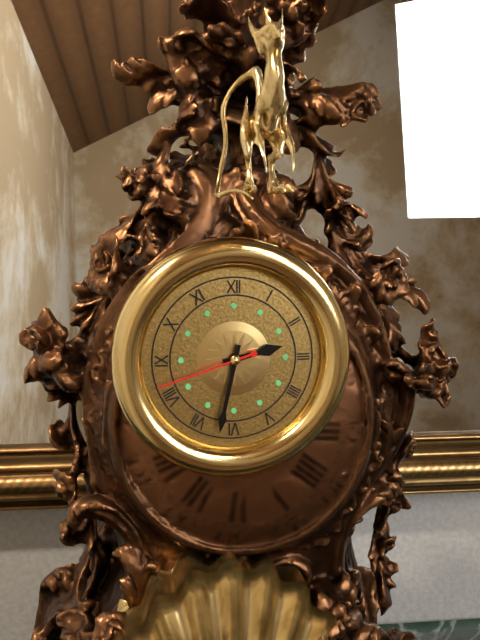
2:32:42
